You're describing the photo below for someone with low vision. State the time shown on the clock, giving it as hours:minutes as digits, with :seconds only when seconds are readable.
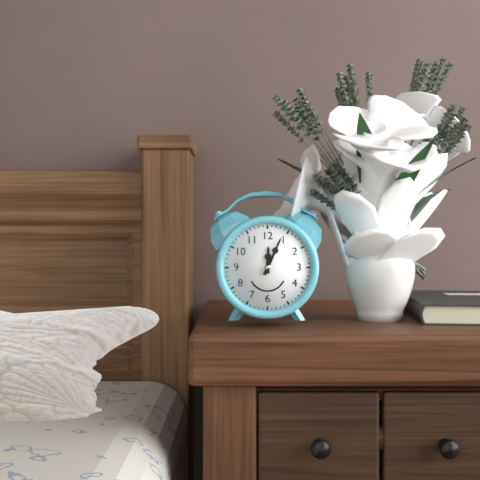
12:04
